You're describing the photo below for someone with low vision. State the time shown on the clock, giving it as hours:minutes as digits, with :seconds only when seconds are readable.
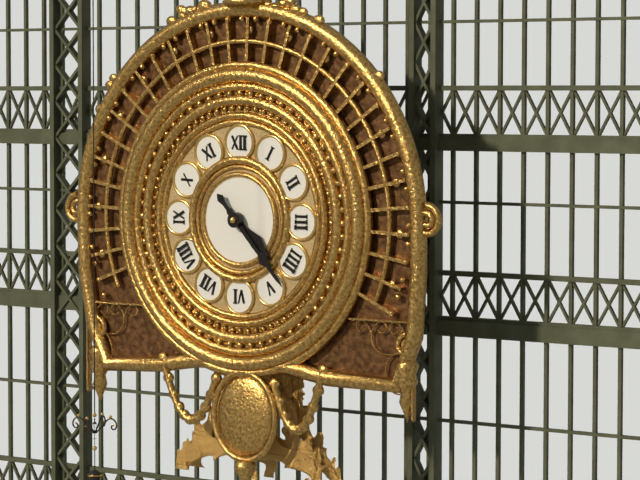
4:23
